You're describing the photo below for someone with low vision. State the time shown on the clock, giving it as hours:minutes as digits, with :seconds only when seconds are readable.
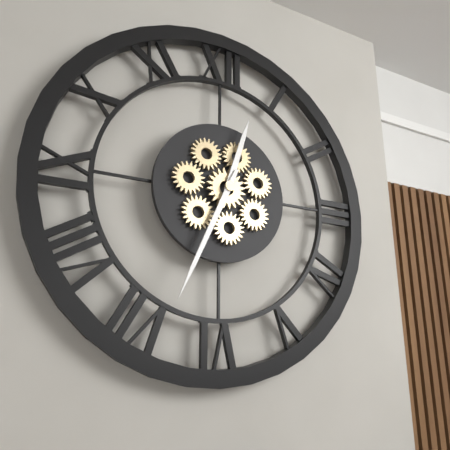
12:34
